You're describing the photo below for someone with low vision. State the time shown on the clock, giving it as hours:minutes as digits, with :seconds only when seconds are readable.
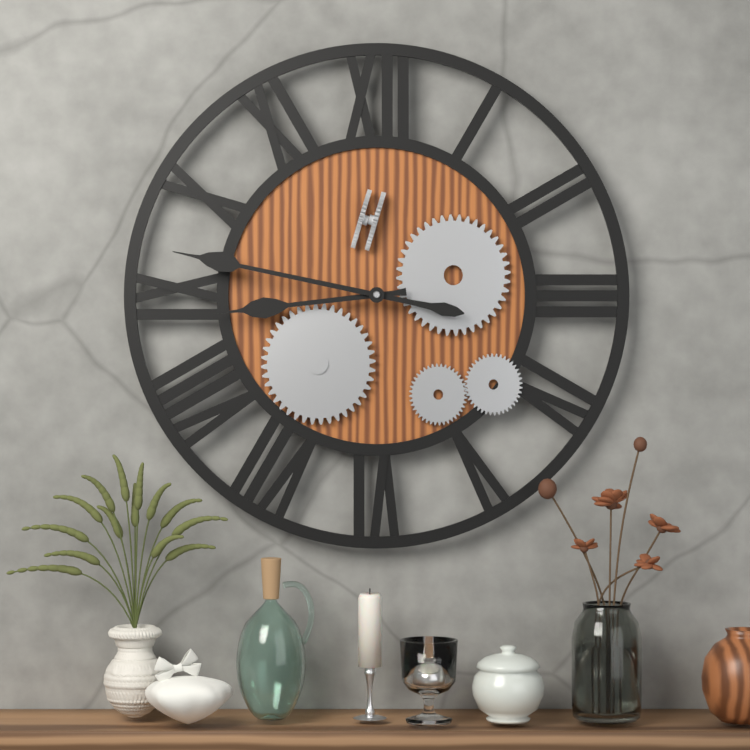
8:47
